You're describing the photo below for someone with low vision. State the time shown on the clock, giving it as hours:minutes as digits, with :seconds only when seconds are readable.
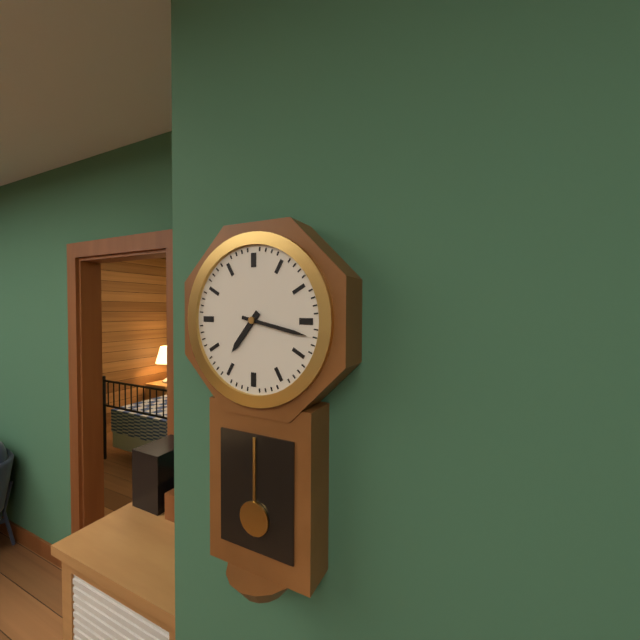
7:17
